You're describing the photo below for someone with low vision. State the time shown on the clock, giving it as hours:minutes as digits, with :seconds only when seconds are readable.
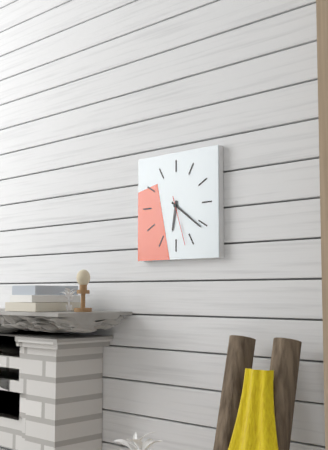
6:21:27
